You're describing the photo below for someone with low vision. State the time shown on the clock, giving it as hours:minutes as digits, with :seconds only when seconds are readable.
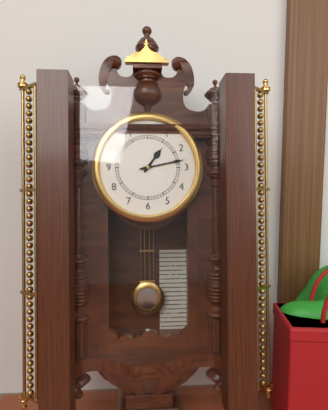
1:13
